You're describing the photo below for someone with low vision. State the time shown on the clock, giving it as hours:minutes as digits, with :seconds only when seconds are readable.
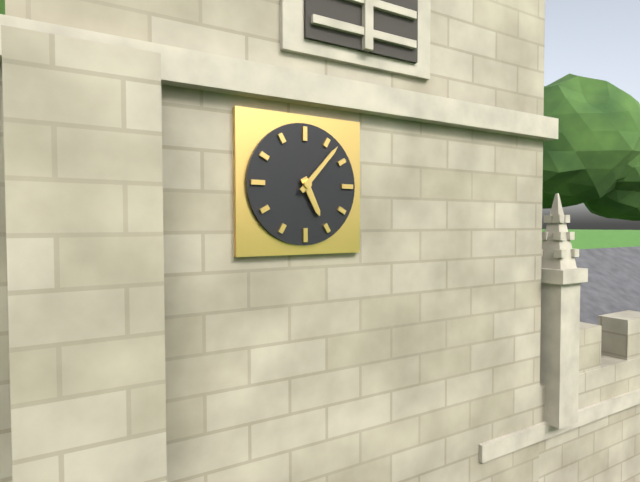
5:07
